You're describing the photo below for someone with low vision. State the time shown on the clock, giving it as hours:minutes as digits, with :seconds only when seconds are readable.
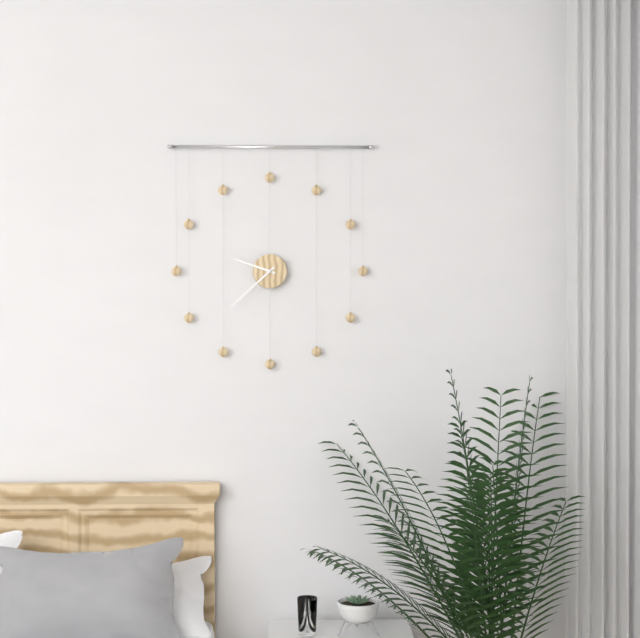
9:38
